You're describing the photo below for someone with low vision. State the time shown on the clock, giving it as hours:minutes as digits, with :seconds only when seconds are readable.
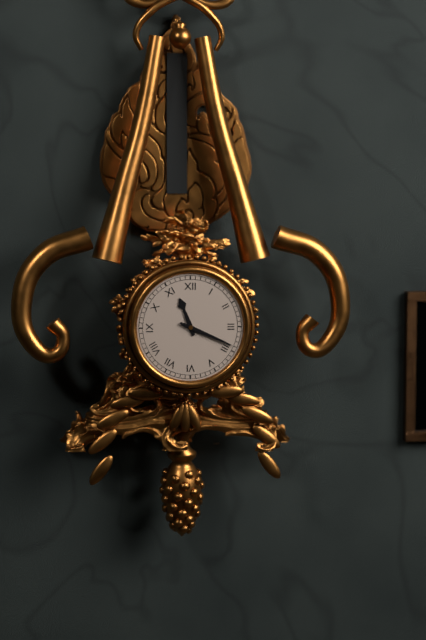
11:19
